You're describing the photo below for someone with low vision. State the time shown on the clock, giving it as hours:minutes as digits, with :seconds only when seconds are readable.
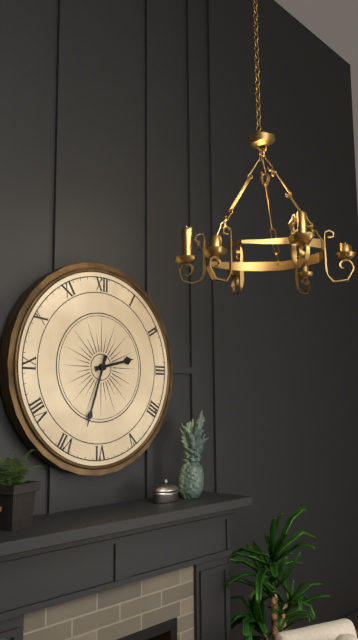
2:33
